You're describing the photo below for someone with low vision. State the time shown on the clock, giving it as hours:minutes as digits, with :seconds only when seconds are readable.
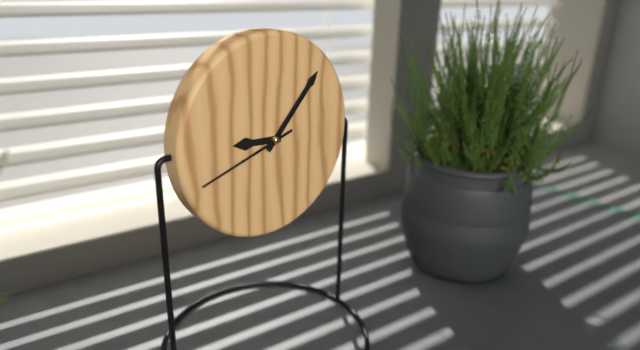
9:07:42
